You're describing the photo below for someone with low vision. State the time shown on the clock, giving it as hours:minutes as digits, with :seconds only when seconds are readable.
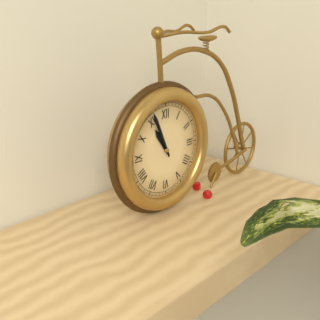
10:56
